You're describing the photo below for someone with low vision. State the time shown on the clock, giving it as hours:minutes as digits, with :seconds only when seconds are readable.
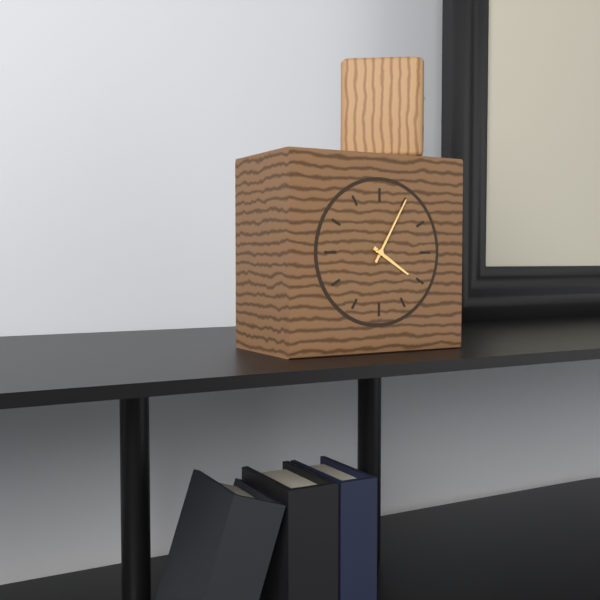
4:05
